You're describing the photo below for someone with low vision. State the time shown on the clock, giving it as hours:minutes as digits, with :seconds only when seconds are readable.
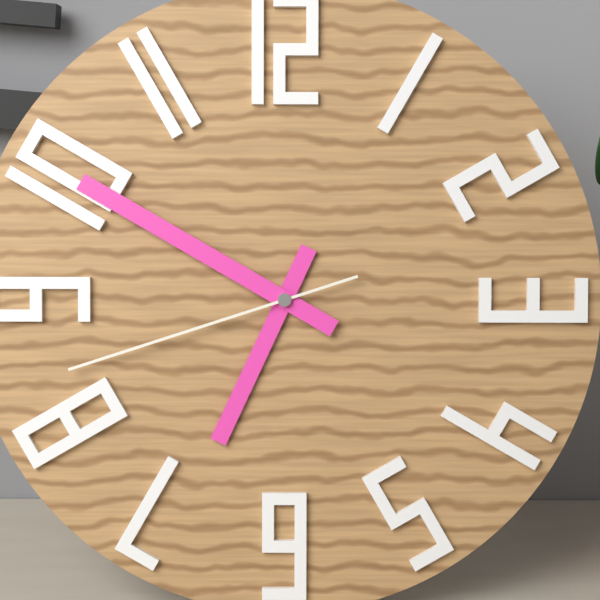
6:50:42
